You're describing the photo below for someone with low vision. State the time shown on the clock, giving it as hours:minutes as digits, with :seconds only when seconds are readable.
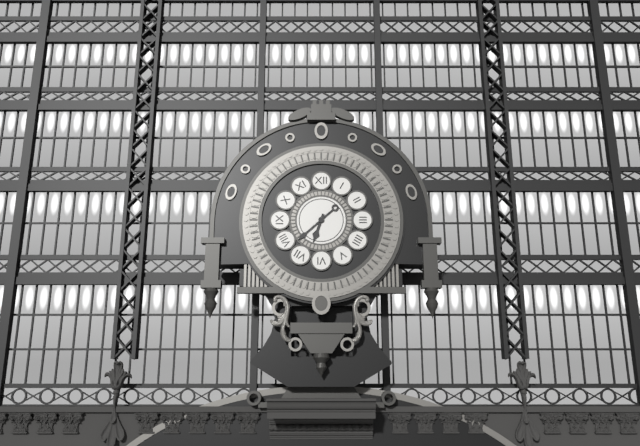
6:38
